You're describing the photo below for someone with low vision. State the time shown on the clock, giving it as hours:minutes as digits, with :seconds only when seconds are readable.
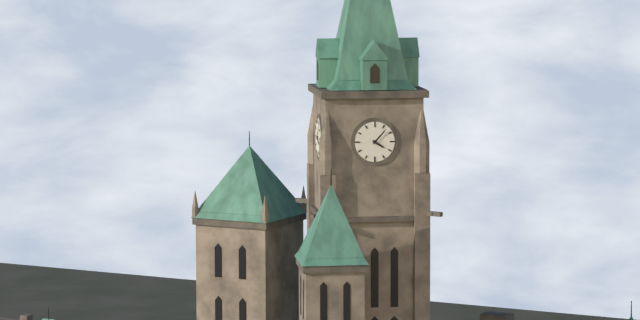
4:07
